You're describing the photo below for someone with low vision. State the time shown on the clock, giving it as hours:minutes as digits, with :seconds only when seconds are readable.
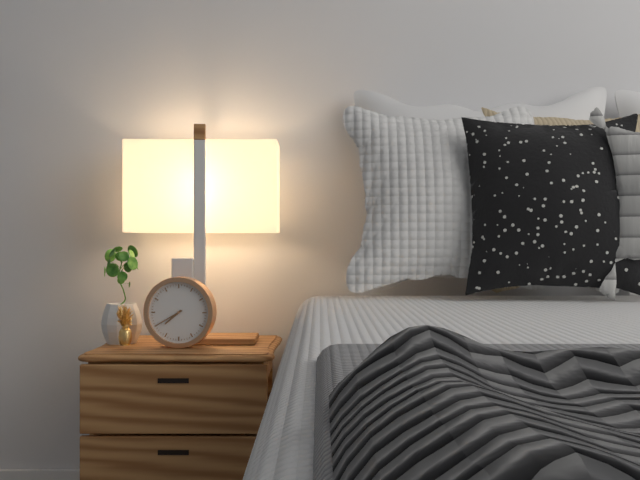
7:40
